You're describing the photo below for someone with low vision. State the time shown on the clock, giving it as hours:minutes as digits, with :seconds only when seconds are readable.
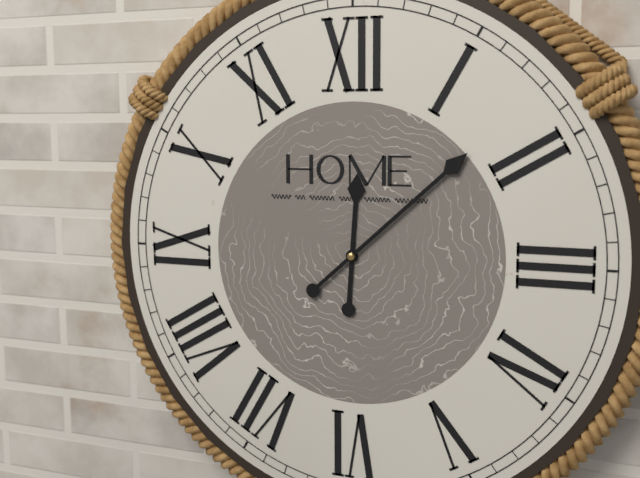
12:08
